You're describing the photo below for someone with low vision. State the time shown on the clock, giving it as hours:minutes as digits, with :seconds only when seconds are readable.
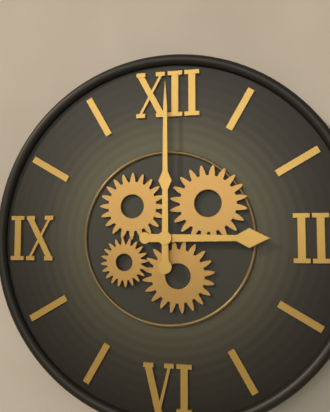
3:00
